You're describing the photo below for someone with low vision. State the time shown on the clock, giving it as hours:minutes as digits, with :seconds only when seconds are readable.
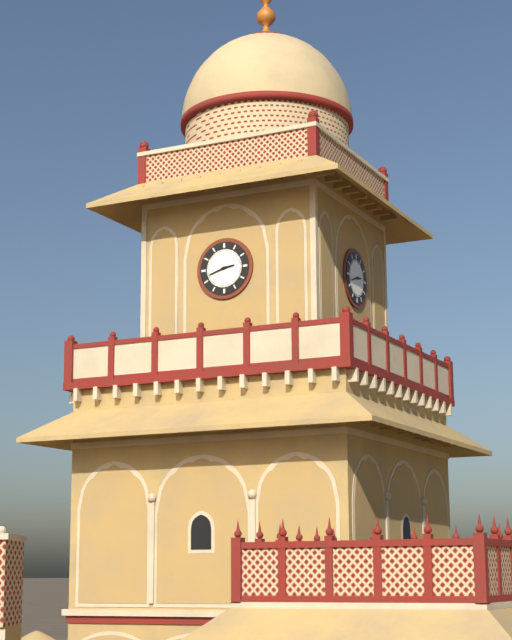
2:42
